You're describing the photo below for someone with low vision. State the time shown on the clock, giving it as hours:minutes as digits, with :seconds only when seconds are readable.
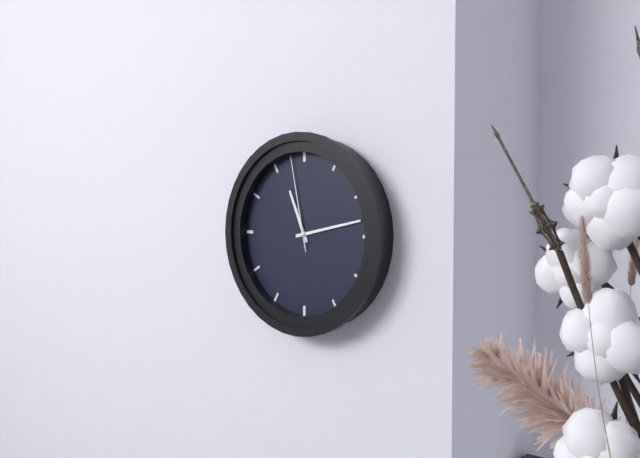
11:13:58
